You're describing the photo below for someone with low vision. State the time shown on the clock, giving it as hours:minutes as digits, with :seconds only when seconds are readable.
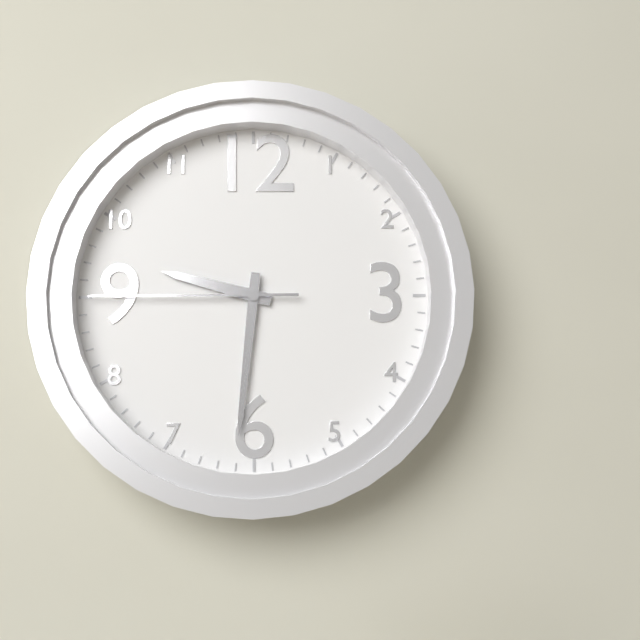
9:31:45
